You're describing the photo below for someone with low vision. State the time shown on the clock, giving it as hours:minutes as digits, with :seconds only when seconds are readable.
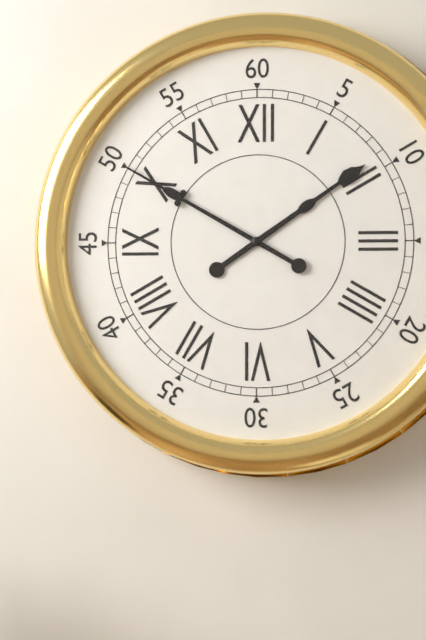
1:50
